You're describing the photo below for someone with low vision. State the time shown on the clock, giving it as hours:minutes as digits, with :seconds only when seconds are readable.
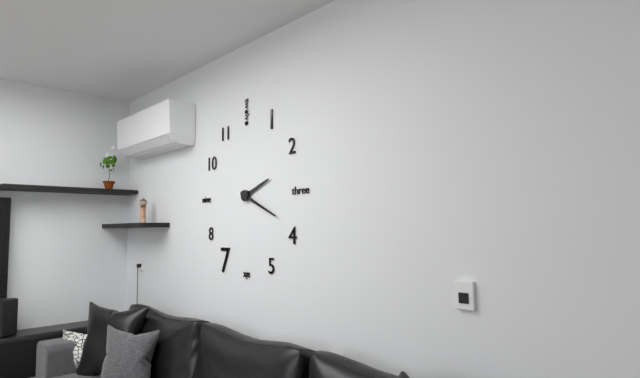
2:19
